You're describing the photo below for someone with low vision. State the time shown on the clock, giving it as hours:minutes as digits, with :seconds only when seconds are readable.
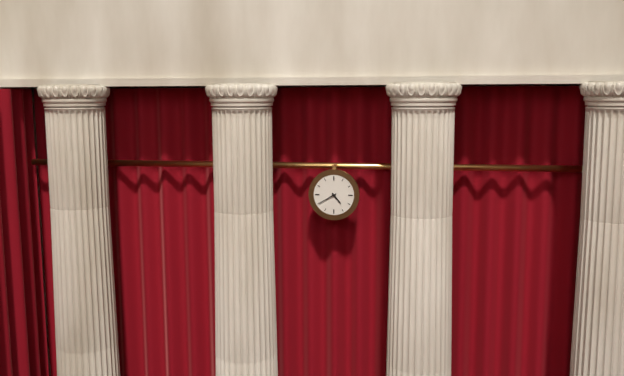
4:40
